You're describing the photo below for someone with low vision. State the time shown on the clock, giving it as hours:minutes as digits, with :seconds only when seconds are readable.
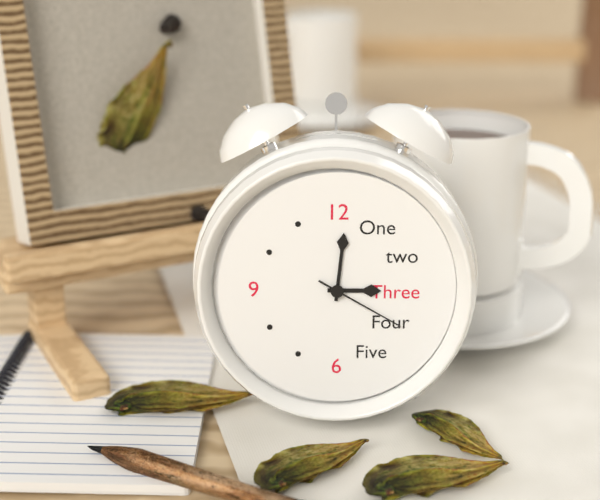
3:01:20
